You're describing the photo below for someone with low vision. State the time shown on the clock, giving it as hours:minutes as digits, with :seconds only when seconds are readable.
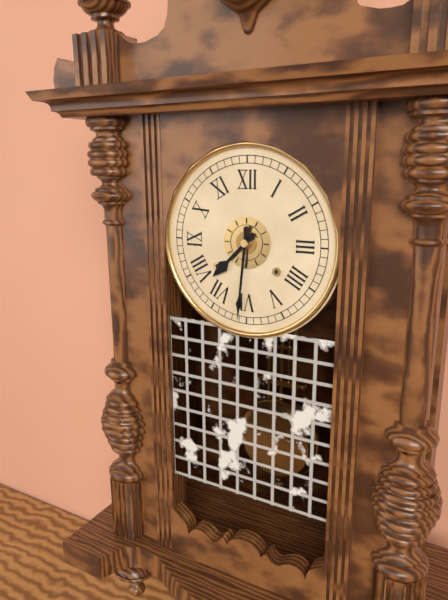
7:31
